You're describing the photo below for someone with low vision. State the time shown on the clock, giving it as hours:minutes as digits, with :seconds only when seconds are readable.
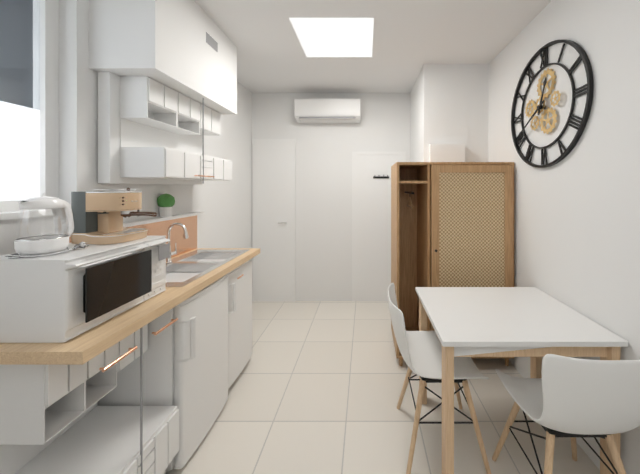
12:40
